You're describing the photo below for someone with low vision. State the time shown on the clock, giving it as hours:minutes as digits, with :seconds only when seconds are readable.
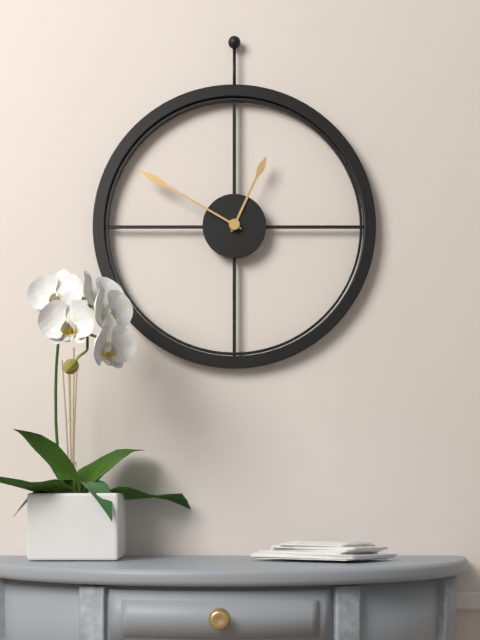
12:50
